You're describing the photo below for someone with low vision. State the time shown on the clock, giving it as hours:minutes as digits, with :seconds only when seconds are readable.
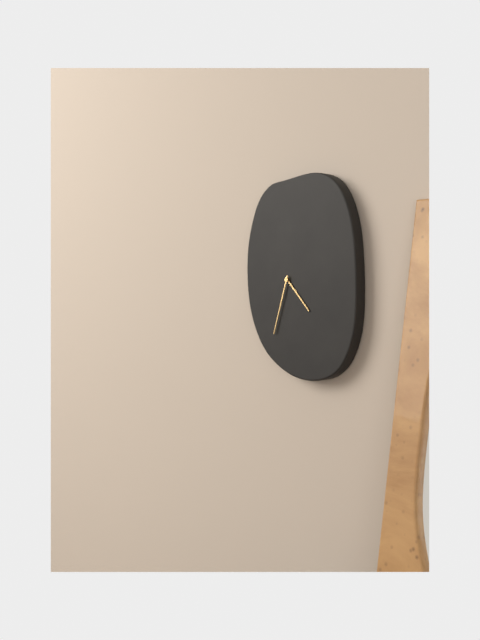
4:33
